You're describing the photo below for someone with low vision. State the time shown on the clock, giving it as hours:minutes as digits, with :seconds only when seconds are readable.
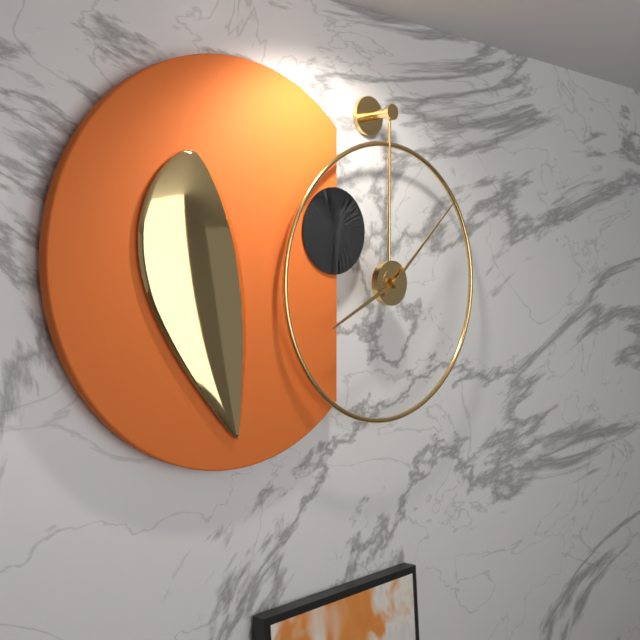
8:08
